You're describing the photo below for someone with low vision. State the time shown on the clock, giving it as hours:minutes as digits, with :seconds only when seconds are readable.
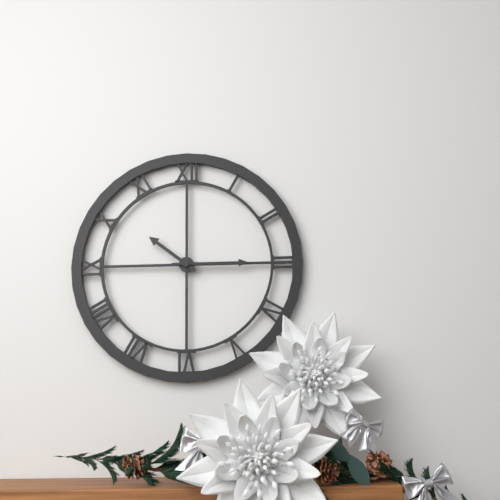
10:15
